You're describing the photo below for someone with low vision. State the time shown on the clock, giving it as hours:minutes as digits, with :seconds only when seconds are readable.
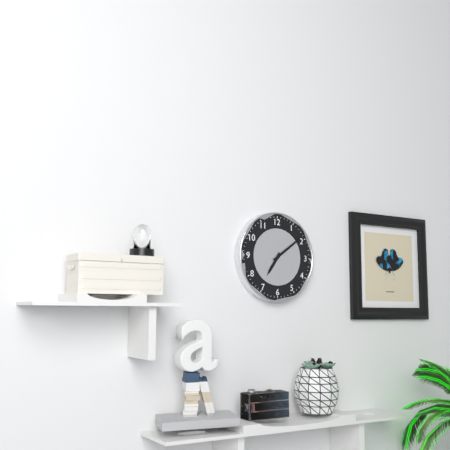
7:09
